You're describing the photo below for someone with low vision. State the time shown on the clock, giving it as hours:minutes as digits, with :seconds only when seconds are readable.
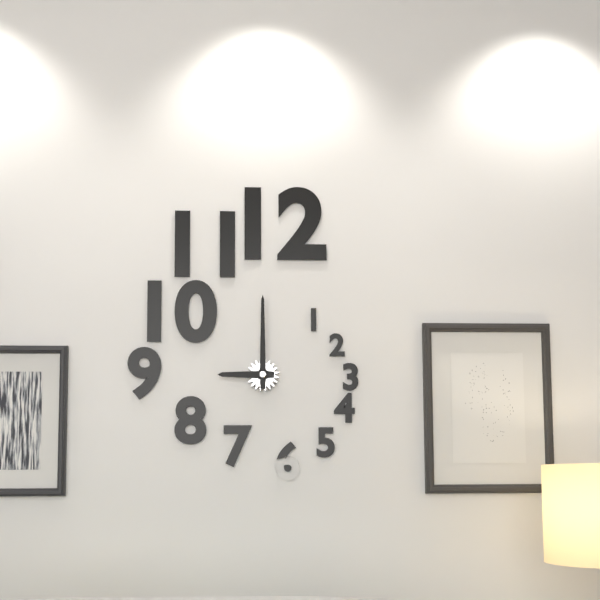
9:00
